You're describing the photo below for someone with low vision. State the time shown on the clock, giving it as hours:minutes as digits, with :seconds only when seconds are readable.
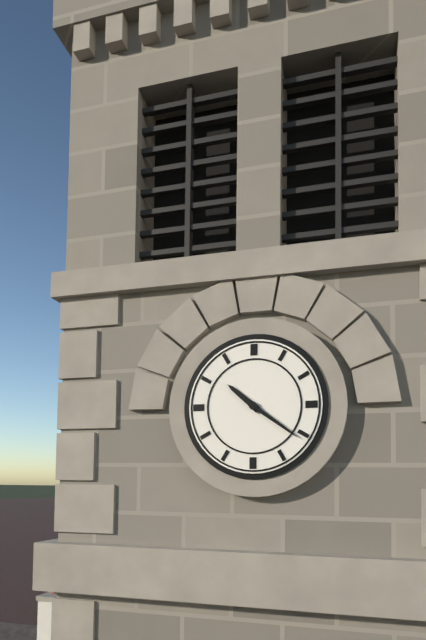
10:21
